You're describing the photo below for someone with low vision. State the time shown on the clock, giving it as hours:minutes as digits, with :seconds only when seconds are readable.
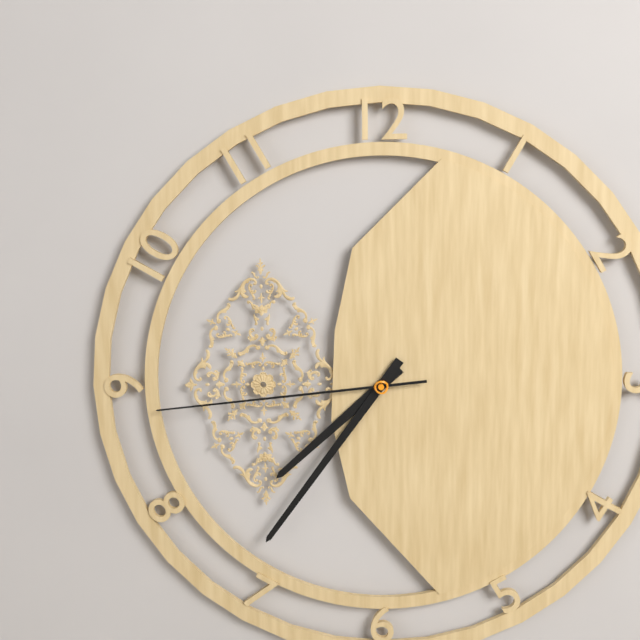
7:36:44
